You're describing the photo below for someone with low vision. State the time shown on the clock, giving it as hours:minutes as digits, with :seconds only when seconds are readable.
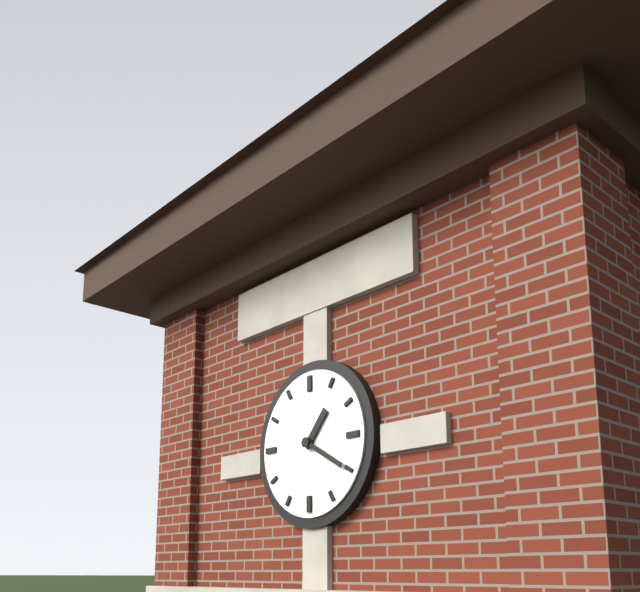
1:20
